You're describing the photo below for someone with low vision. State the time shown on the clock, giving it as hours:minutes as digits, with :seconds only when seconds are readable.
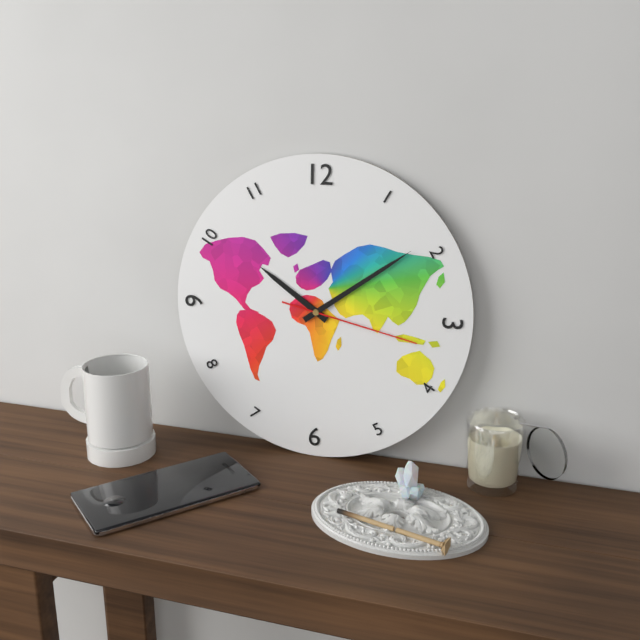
10:09:17
